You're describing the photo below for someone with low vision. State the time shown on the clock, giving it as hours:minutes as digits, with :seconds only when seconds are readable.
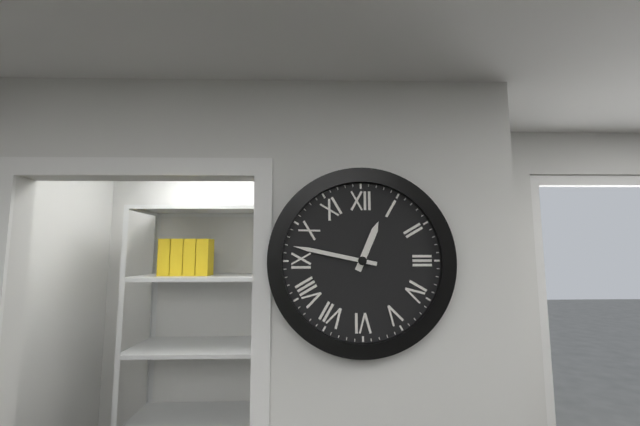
12:47
